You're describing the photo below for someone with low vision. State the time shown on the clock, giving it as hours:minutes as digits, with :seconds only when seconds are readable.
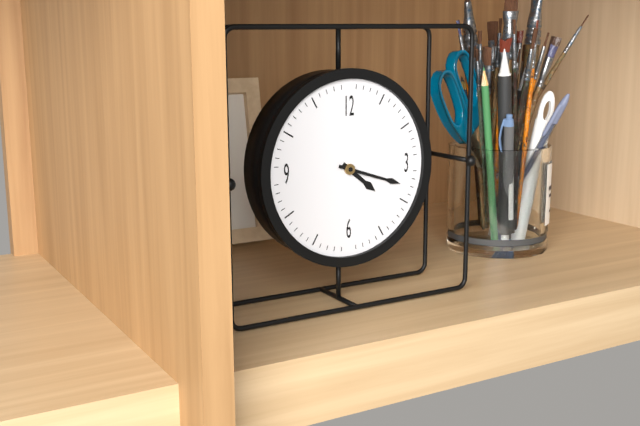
4:18
